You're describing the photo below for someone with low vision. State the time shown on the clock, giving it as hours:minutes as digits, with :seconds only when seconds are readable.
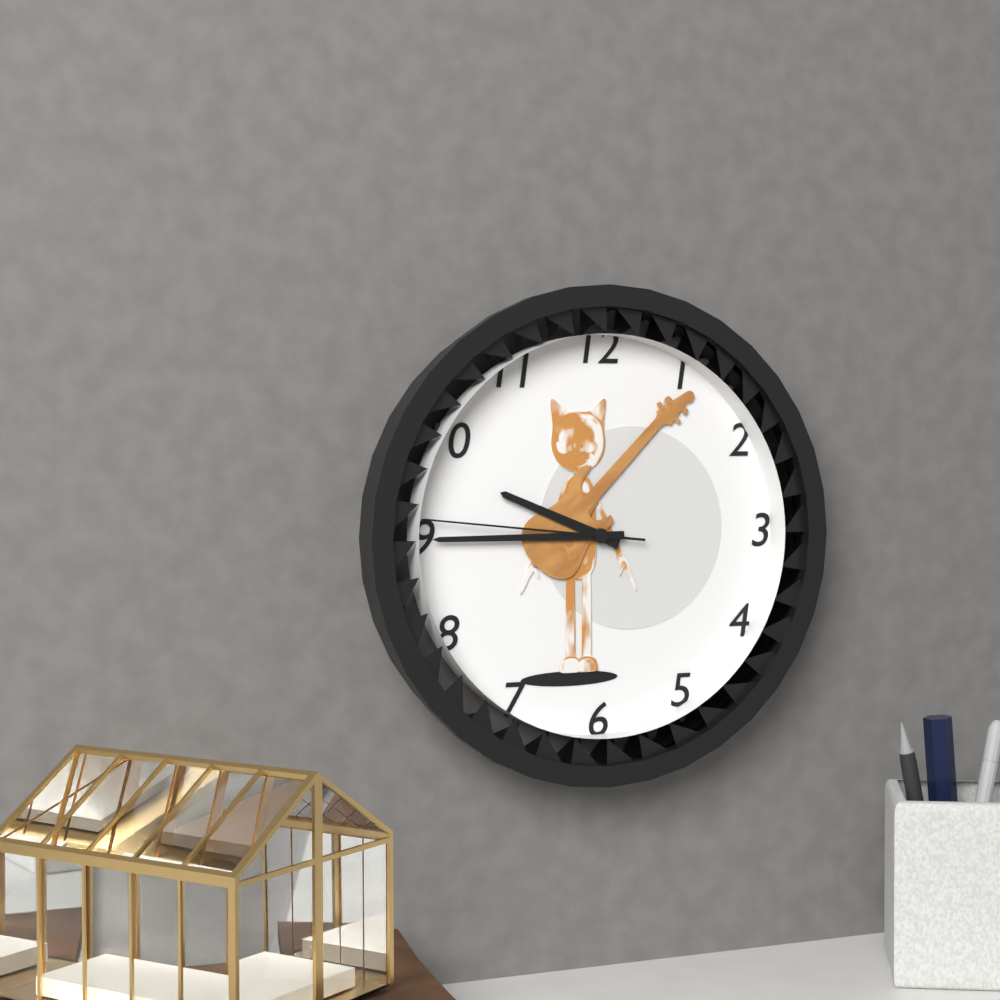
9:45:46
